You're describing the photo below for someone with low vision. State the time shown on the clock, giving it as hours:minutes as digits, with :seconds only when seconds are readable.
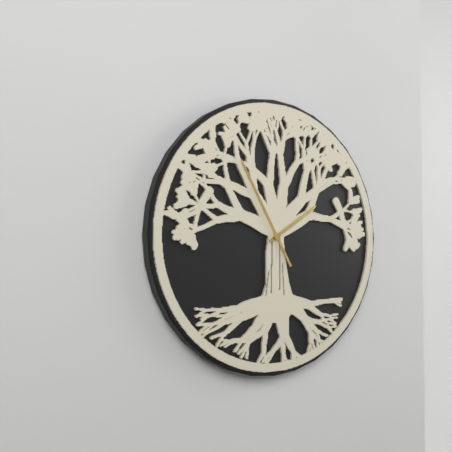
1:55
